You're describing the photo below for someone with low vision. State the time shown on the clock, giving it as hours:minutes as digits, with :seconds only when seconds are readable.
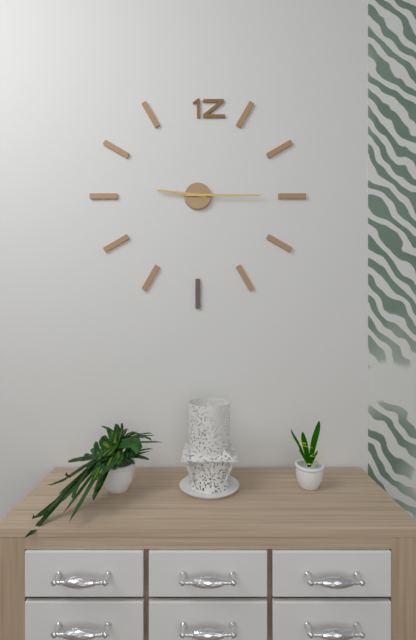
9:15
